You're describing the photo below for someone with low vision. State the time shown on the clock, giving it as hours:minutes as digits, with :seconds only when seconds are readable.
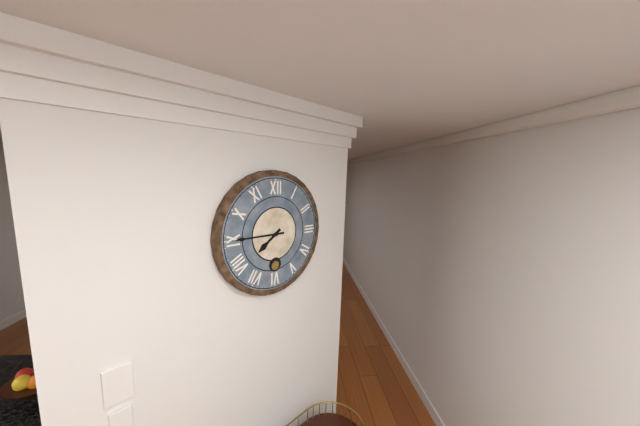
7:45
